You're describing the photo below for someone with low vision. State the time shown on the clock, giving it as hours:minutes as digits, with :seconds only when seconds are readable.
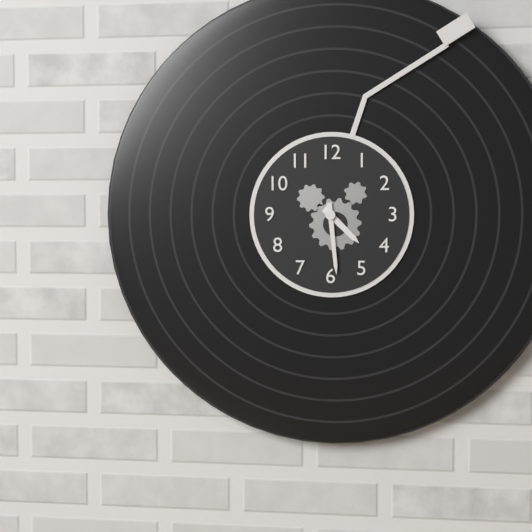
4:29
